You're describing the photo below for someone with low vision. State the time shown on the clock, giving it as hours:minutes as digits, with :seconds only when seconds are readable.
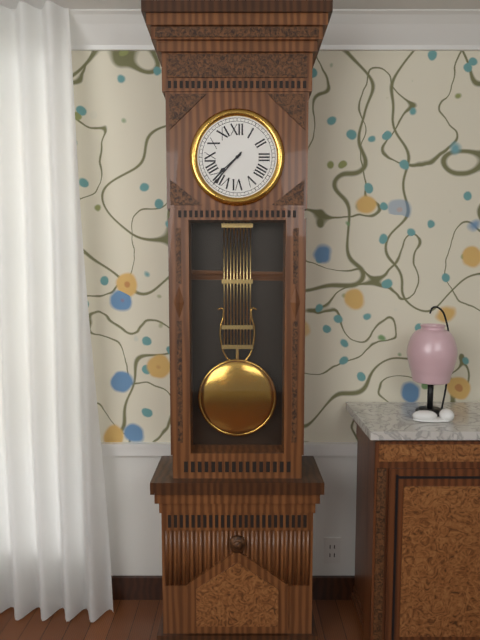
7:37
